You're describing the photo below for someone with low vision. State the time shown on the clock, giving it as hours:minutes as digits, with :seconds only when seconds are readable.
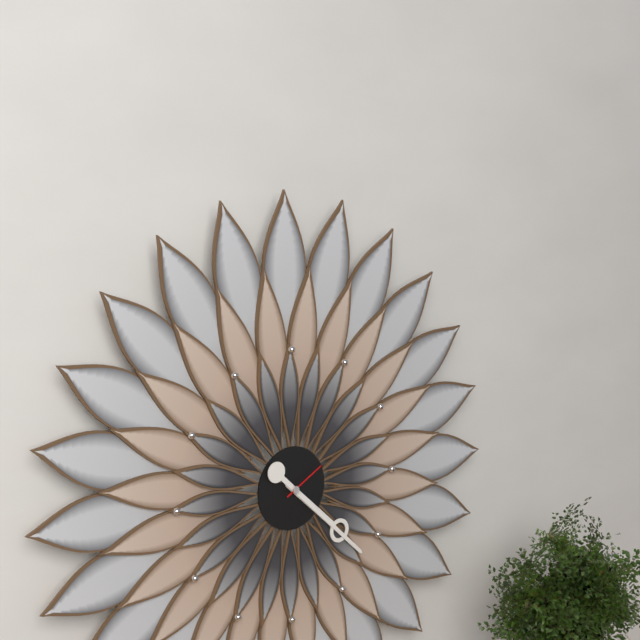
4:22
